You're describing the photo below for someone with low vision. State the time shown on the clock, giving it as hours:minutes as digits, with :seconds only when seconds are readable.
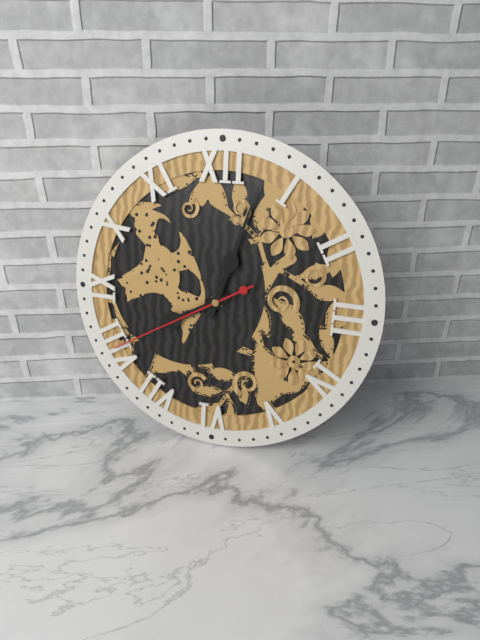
8:03:40
